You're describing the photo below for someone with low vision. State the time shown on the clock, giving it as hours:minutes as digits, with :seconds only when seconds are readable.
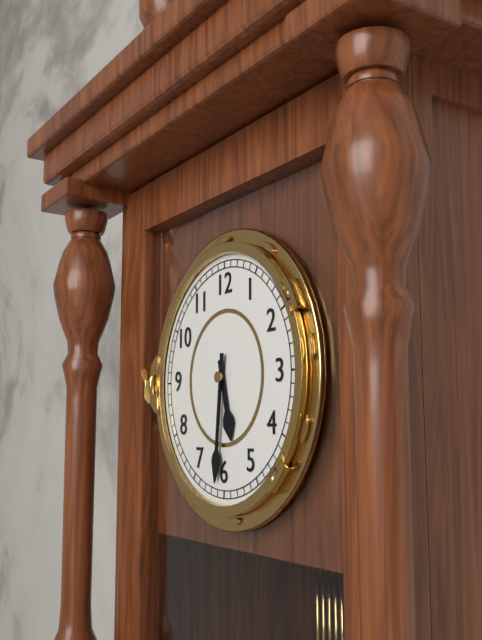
5:31
